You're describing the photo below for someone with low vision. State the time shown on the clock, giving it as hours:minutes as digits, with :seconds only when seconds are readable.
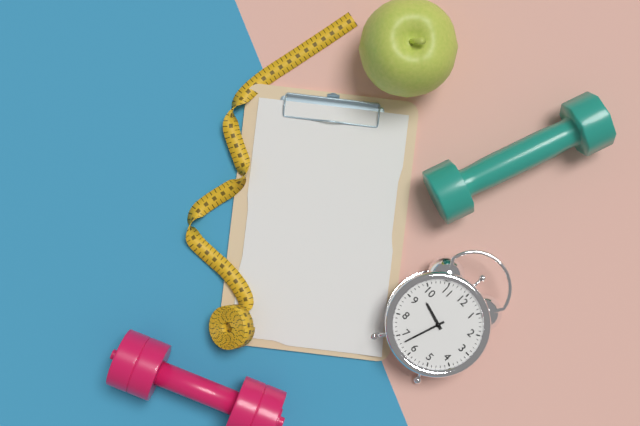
9:33
